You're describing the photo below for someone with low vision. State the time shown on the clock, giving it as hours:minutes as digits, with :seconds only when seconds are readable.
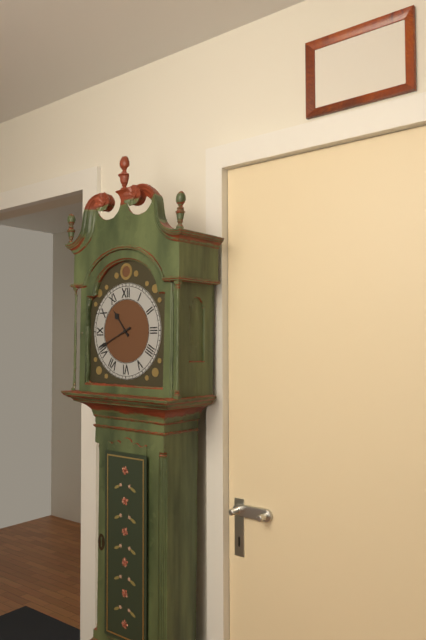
10:41
